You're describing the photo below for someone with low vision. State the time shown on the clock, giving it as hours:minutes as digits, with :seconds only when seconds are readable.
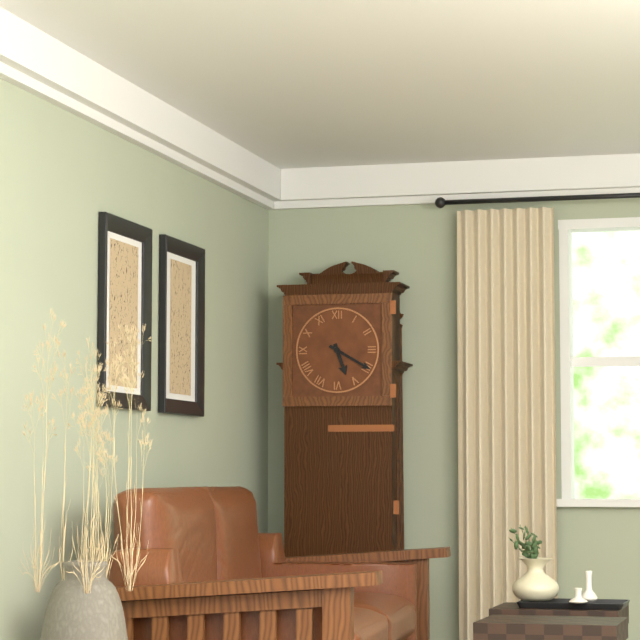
5:20
